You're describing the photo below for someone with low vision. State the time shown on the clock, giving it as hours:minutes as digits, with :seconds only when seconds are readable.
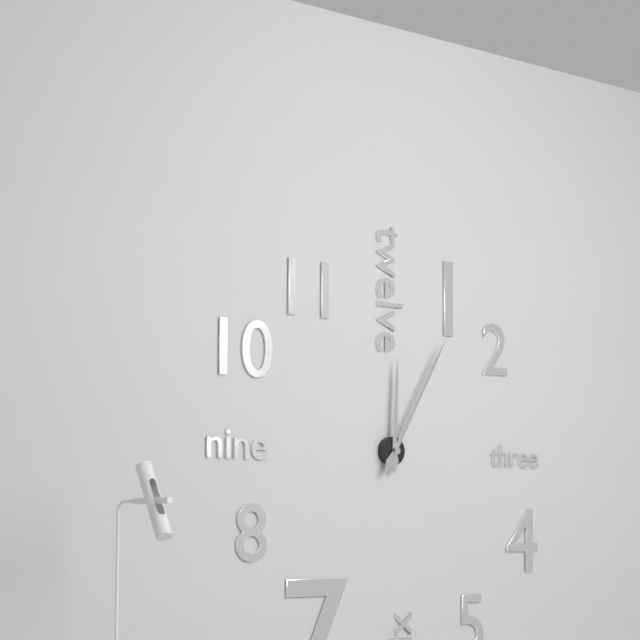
12:05
